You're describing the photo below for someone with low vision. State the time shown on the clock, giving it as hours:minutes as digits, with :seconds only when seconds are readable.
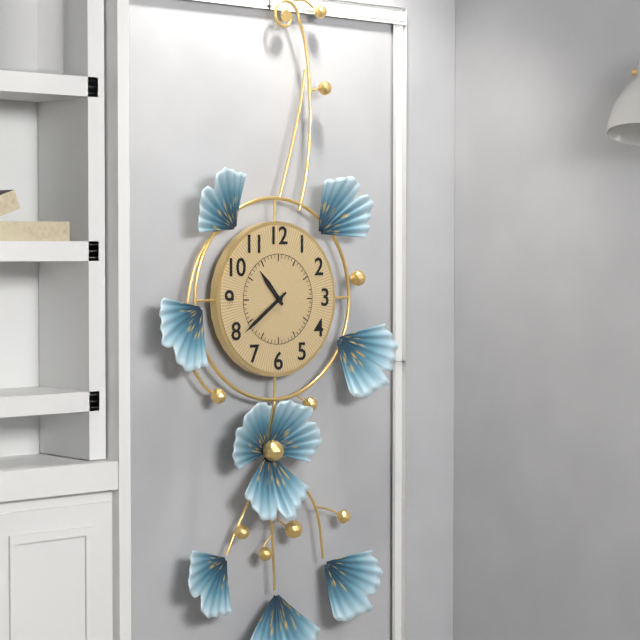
10:39
